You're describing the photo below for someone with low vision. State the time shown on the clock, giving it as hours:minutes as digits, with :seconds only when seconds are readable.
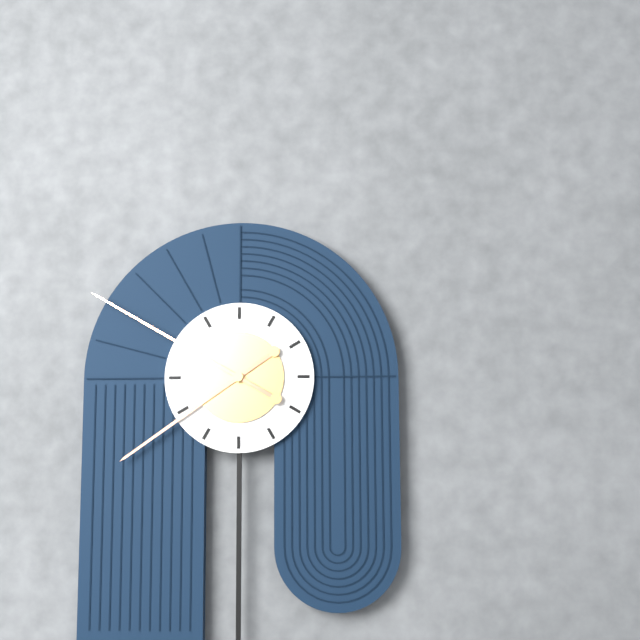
7:50
